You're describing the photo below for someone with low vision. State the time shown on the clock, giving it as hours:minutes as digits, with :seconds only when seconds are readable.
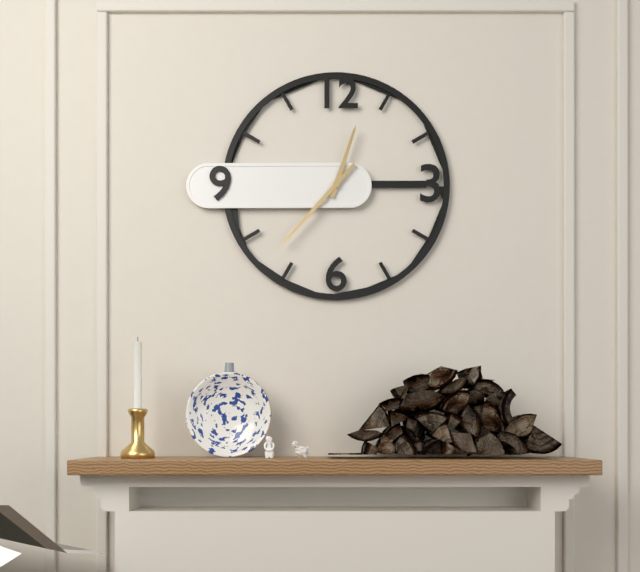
12:37
